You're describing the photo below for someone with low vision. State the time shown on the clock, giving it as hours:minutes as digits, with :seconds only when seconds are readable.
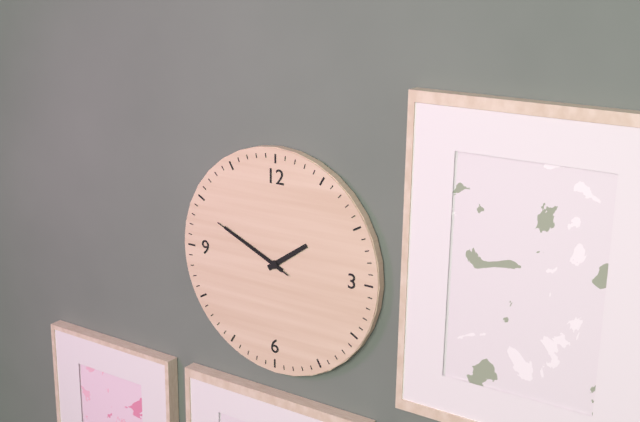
1:49:49
